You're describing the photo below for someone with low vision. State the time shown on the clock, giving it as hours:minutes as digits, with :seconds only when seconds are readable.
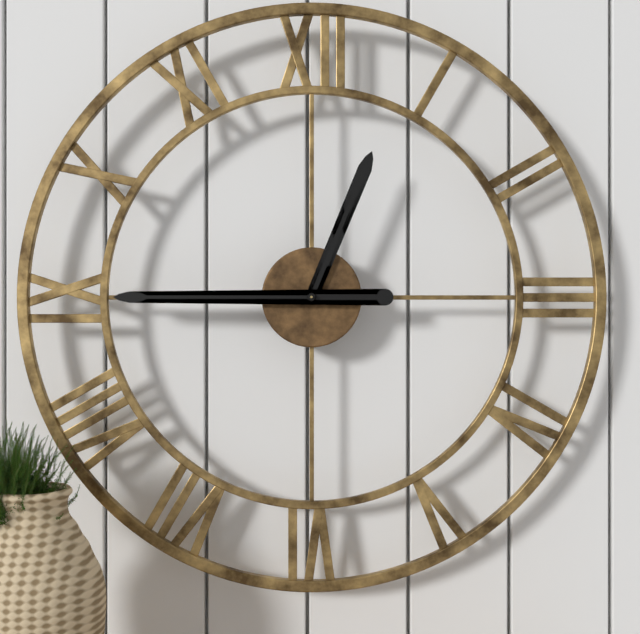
12:45
